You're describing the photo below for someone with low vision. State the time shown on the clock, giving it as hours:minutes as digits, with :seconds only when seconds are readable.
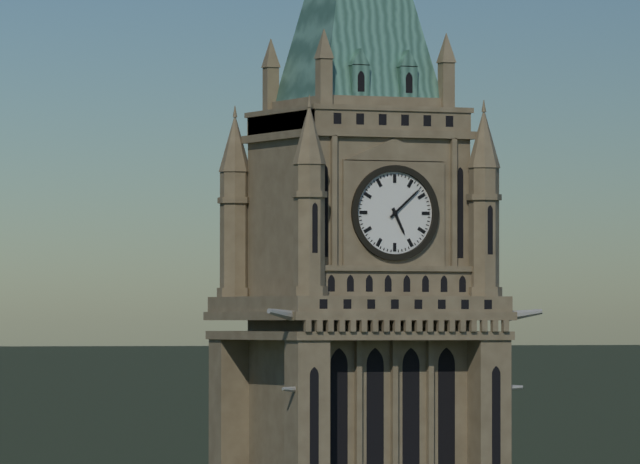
5:08
